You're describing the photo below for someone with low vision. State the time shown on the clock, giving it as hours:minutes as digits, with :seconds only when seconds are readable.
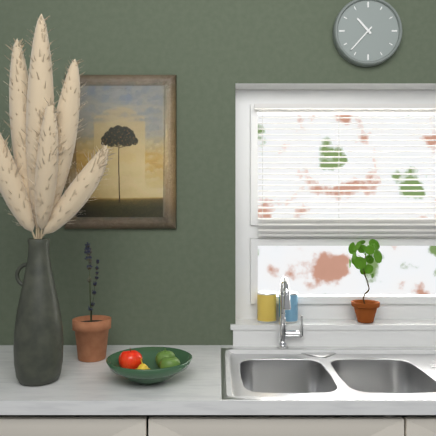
10:37
